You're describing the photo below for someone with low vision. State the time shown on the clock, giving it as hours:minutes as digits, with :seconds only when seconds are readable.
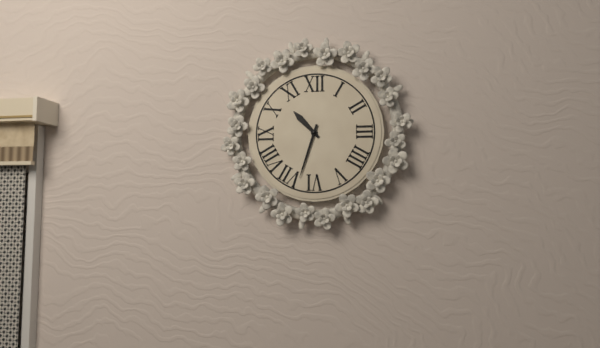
10:33
